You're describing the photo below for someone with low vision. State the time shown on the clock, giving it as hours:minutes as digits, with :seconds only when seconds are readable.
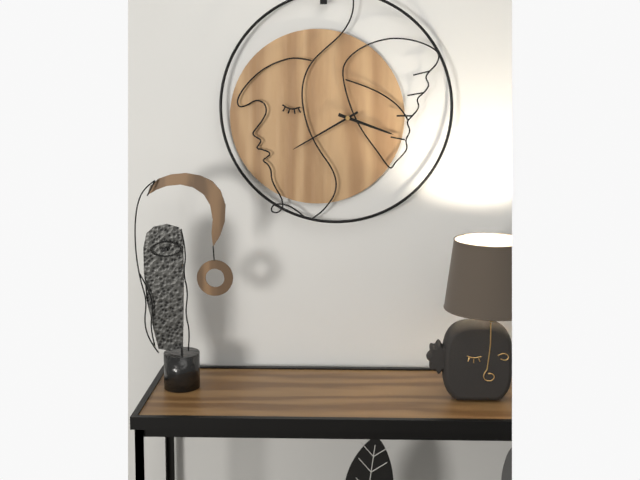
3:40
